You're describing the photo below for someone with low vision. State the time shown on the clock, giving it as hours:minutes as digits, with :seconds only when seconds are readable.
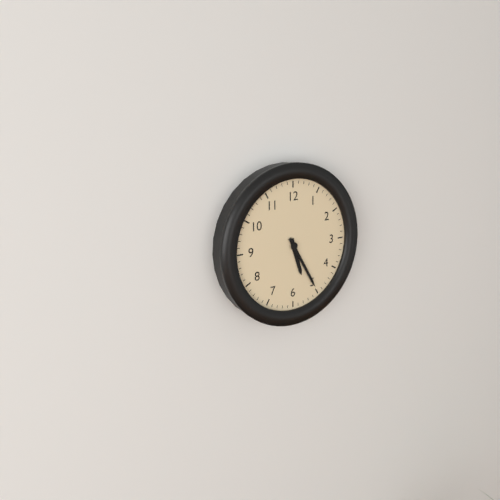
5:25
